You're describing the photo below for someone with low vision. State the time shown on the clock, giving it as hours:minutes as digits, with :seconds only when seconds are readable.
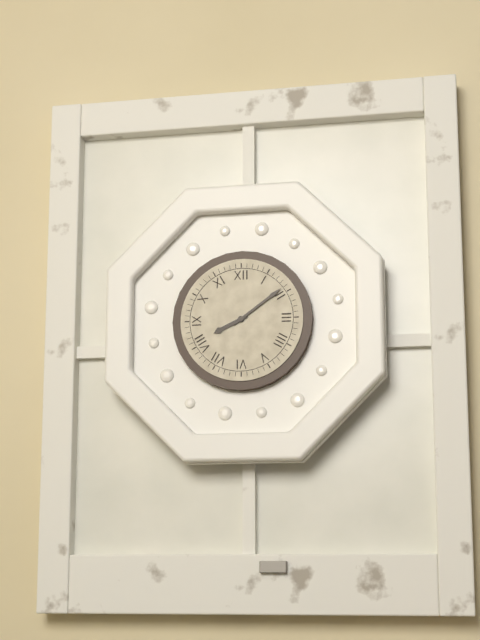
8:09
